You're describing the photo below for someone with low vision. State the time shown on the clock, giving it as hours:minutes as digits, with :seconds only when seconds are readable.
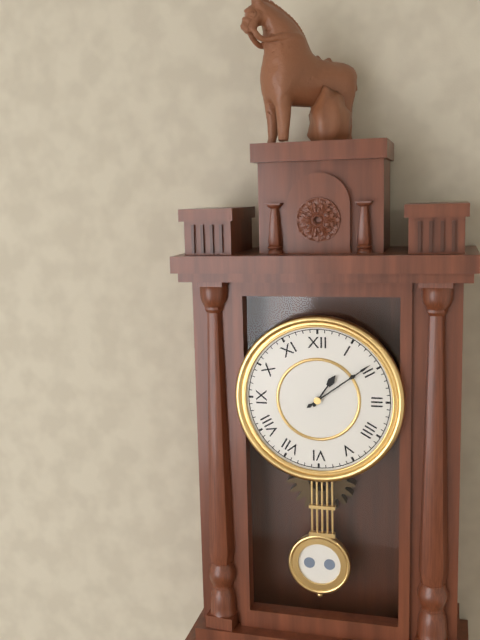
1:09
